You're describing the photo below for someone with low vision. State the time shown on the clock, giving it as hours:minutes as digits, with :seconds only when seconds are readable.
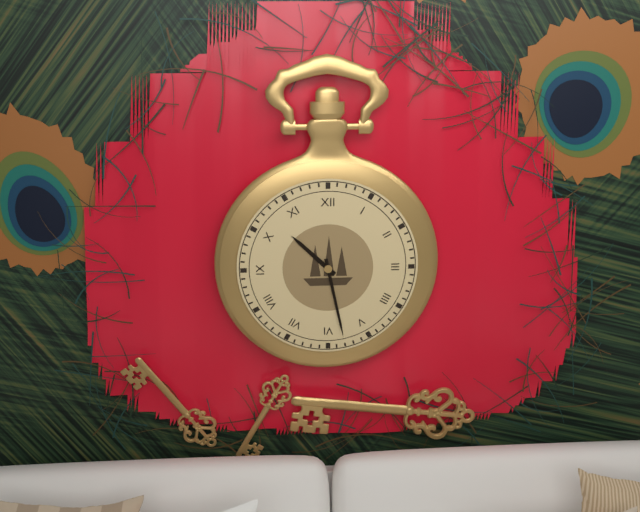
10:28
